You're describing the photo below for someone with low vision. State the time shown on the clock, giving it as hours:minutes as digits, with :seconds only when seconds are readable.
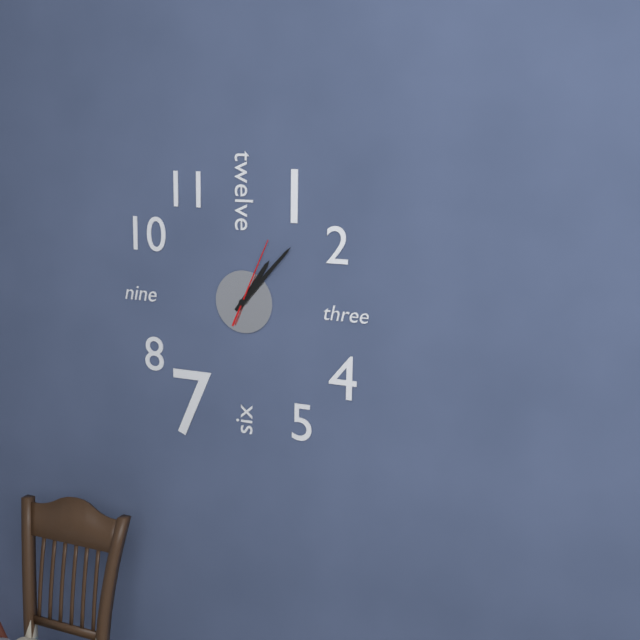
1:07:04
